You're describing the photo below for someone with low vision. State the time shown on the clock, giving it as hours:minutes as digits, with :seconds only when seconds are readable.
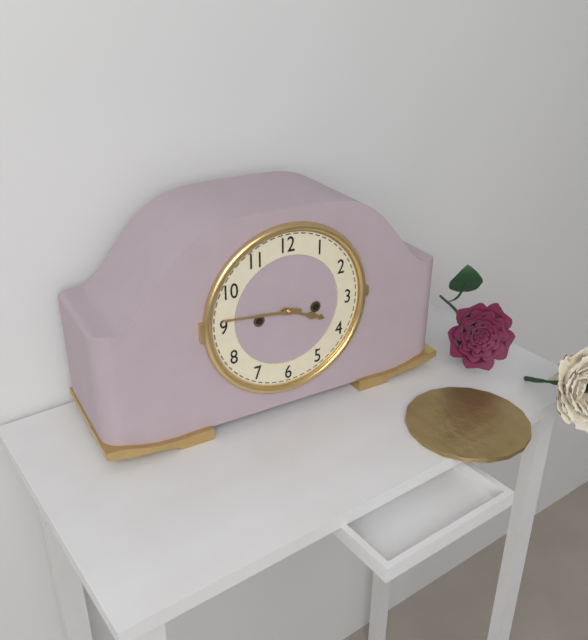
3:46
